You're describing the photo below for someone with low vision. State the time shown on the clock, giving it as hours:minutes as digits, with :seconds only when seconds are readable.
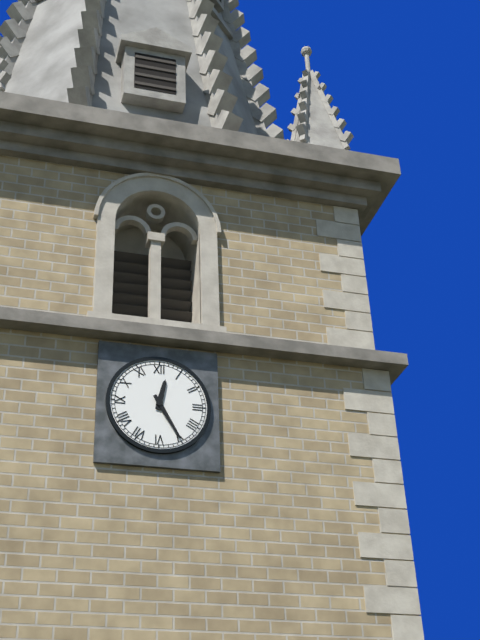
12:25
